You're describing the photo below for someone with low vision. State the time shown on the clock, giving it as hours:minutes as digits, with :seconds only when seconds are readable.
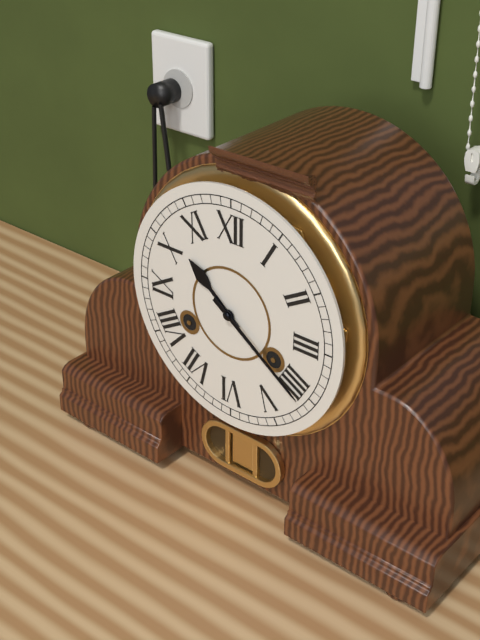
10:21
